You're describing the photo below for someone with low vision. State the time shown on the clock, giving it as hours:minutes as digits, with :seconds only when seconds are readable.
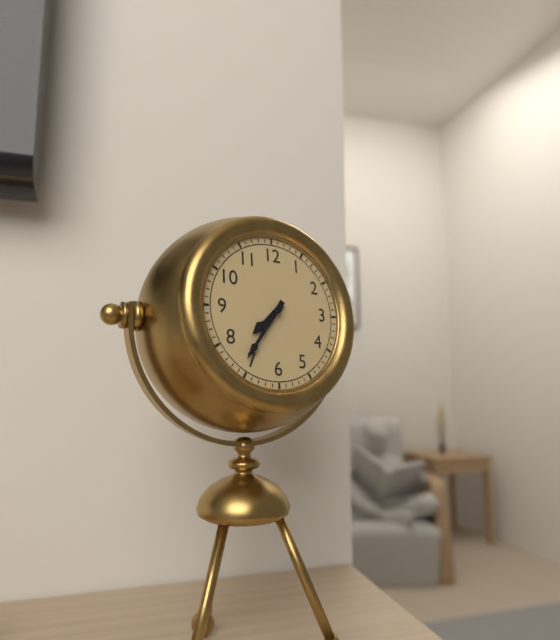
7:36
